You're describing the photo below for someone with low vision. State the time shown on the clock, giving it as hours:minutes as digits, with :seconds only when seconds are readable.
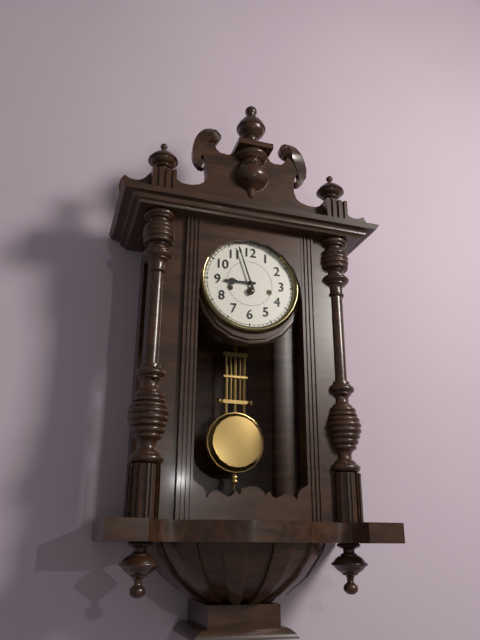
8:57
